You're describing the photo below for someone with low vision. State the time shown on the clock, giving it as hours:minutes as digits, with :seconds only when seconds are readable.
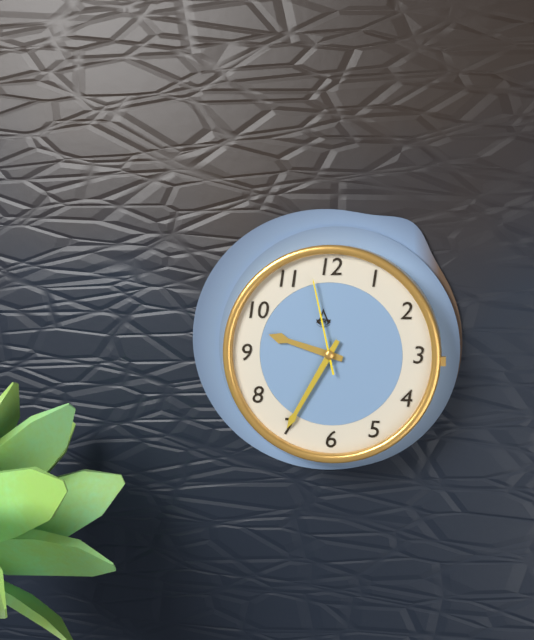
9:35:58
